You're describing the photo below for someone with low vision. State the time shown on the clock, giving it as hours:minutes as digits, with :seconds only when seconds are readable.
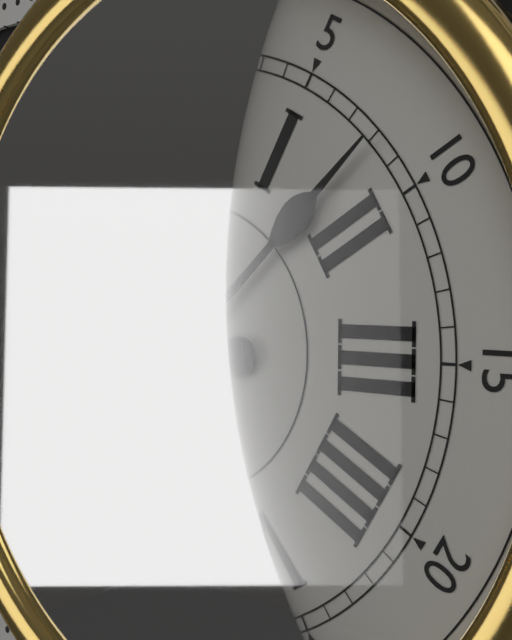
9:08
